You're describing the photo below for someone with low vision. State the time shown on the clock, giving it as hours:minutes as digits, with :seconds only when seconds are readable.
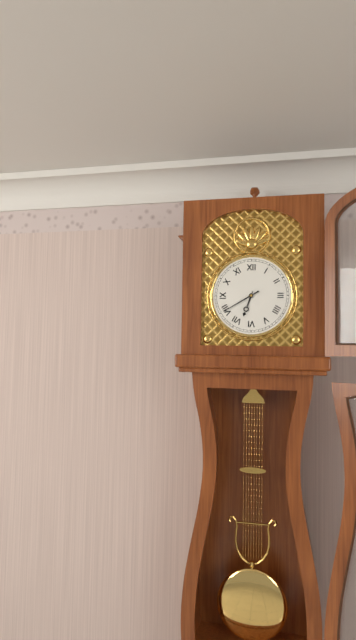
6:40
